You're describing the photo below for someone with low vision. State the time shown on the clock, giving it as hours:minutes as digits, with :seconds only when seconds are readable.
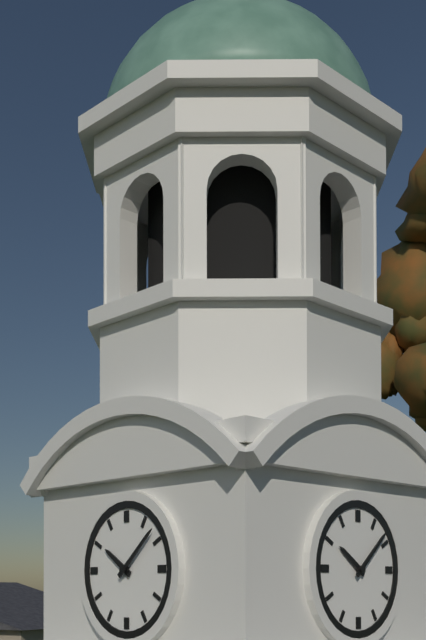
10:08
